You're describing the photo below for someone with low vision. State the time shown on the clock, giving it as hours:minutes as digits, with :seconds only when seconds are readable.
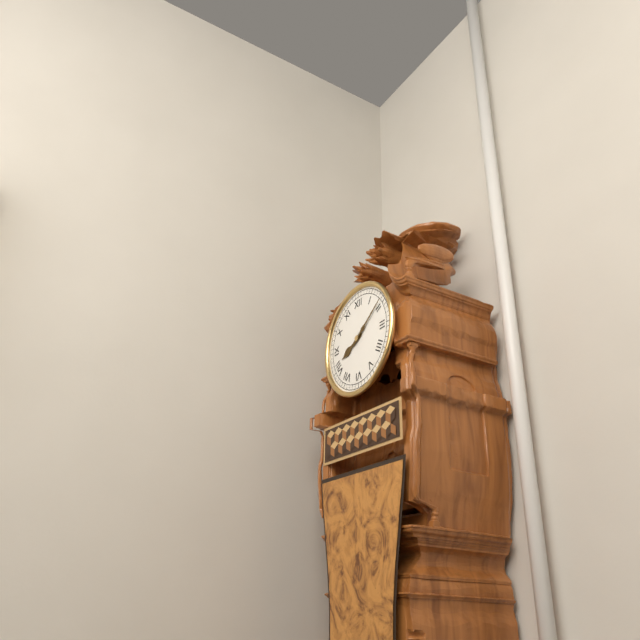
8:09
